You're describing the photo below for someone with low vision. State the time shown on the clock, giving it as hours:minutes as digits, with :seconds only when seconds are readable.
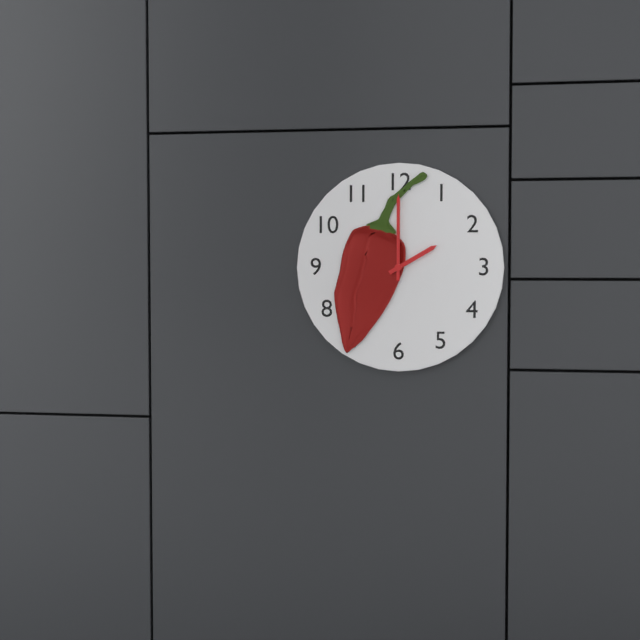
2:00
